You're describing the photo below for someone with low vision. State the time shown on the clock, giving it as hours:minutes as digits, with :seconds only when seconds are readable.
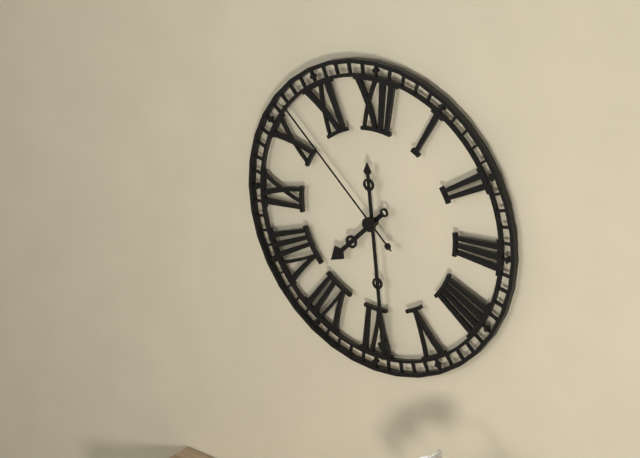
7:29:52
